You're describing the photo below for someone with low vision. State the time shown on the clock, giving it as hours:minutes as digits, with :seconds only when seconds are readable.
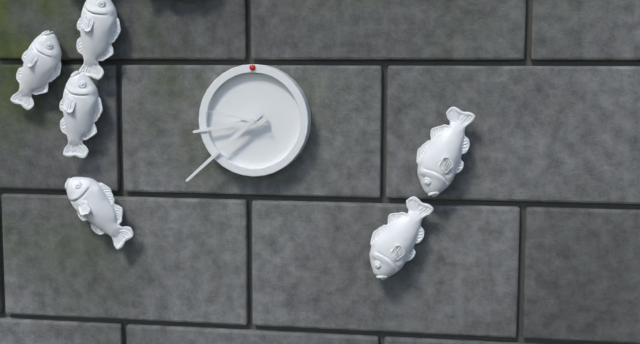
8:38:47
